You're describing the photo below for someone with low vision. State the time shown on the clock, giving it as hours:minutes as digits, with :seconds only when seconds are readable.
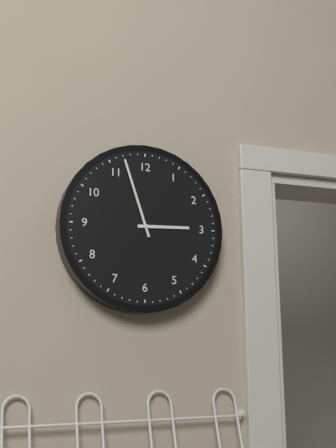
2:57
